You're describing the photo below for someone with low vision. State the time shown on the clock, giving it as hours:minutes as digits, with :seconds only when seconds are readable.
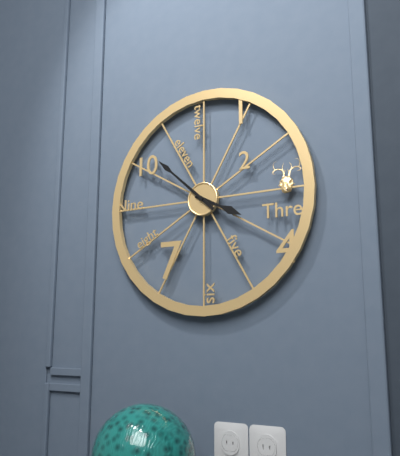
3:52
